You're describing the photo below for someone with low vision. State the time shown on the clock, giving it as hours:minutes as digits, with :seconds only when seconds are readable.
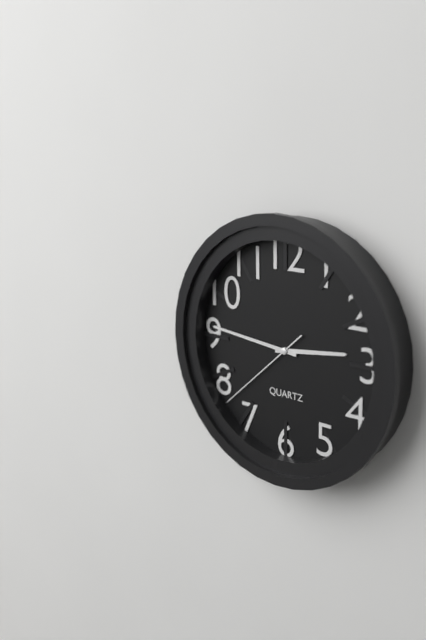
2:46:38
